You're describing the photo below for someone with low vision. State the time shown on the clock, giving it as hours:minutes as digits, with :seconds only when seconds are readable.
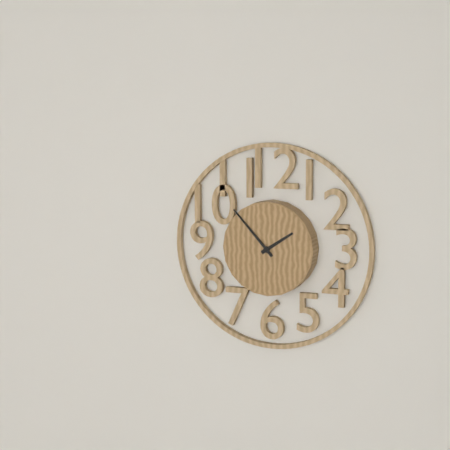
1:53
